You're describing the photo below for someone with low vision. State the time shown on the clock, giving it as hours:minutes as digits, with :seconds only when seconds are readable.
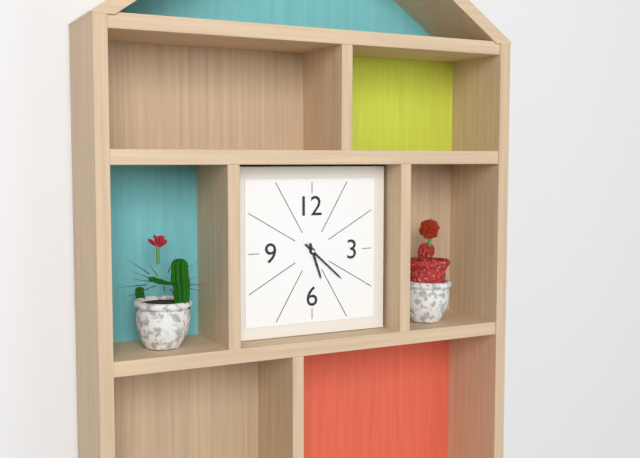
5:22
